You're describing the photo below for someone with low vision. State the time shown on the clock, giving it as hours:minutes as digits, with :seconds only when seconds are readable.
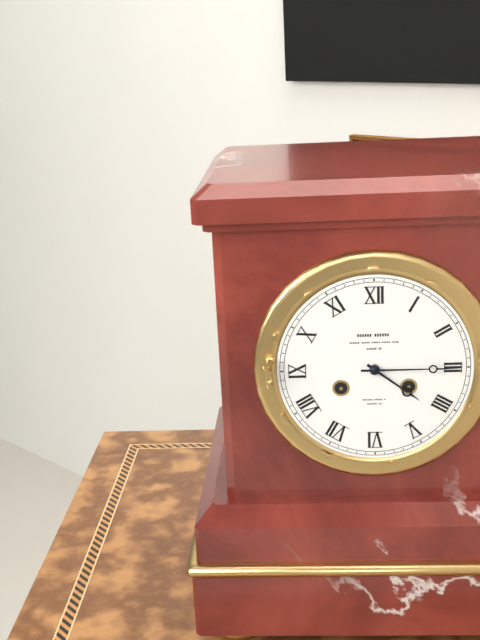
4:15
